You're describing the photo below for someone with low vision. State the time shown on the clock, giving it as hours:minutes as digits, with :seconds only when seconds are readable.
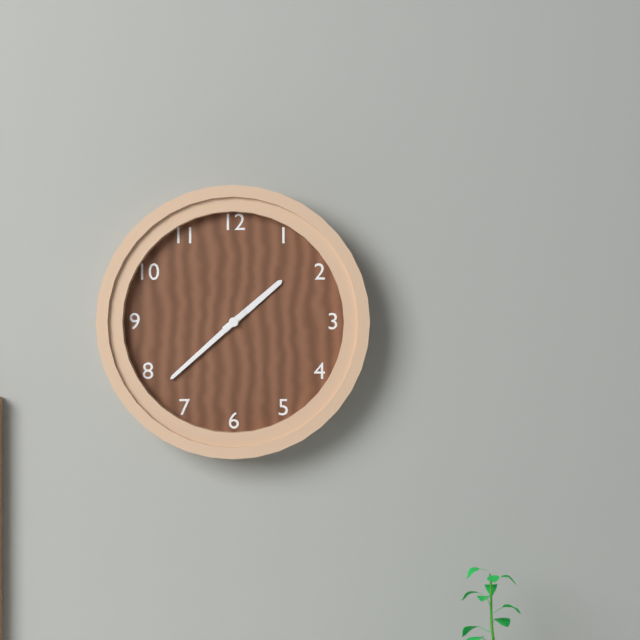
1:38
